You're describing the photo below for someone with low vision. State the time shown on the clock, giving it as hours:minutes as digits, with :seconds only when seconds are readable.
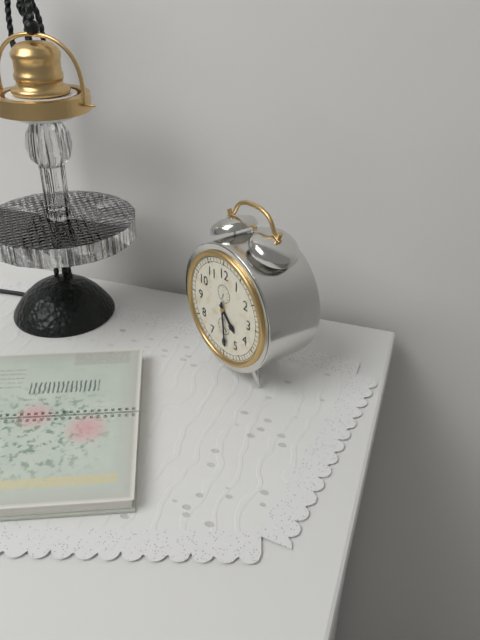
4:29
